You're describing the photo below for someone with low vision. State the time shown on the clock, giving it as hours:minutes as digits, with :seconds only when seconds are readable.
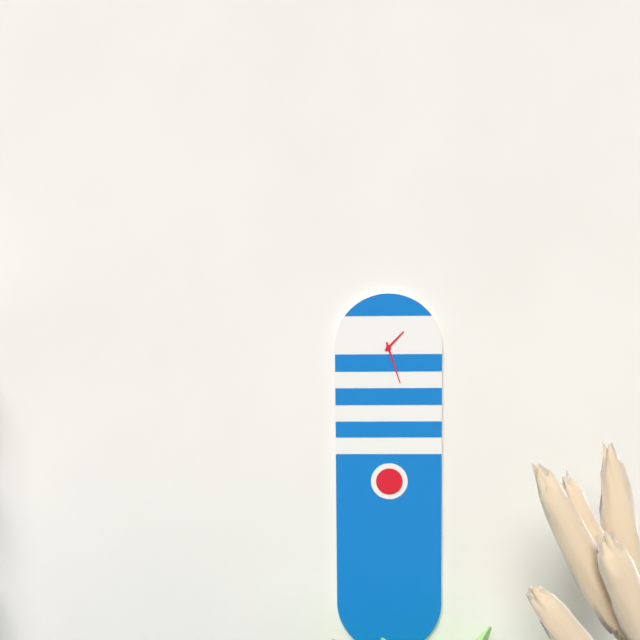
1:27
